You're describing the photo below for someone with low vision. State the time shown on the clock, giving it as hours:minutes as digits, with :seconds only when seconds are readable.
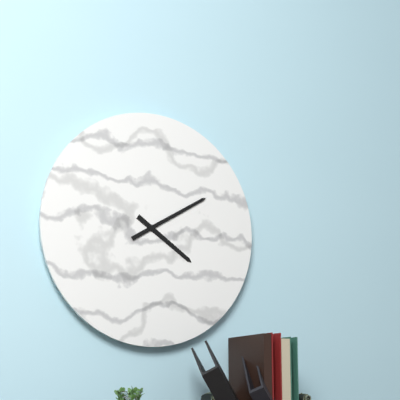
4:10
